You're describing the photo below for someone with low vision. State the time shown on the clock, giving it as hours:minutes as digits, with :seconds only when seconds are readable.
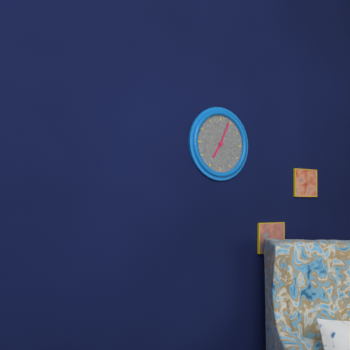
7:04
